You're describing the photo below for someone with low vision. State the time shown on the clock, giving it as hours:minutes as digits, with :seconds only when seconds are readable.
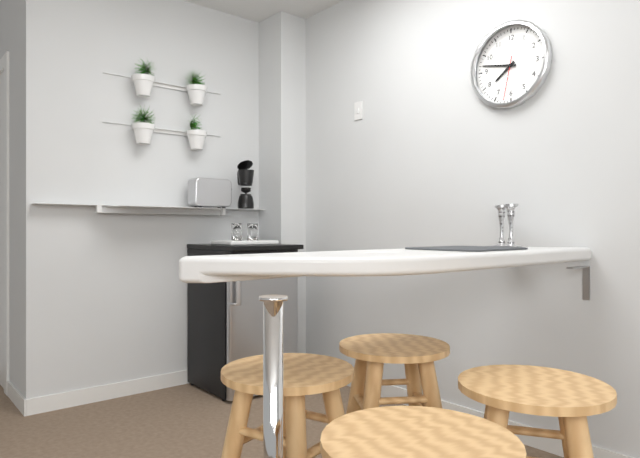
7:47
